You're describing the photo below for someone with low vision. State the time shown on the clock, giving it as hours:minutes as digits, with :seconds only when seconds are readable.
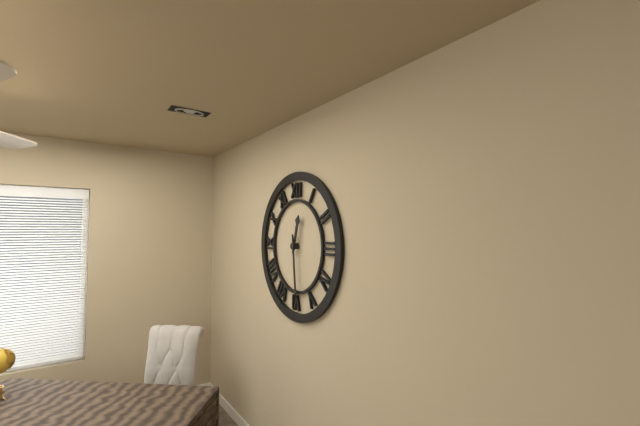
12:29
